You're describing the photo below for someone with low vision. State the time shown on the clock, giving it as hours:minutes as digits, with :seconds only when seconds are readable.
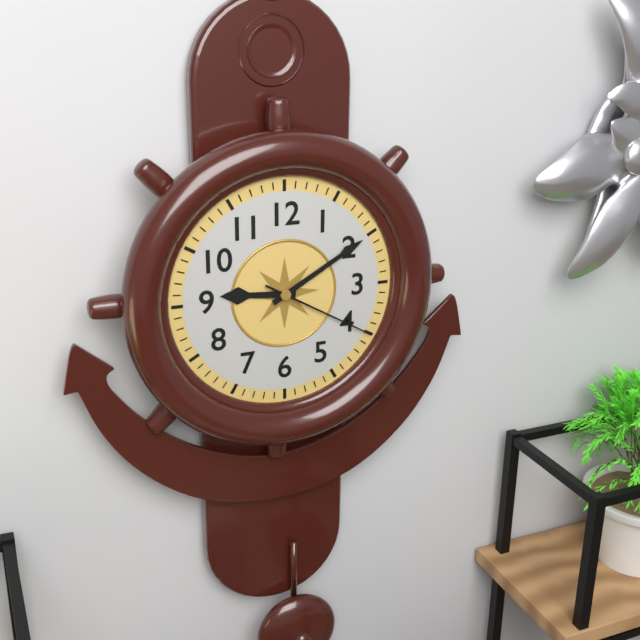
9:10:20
